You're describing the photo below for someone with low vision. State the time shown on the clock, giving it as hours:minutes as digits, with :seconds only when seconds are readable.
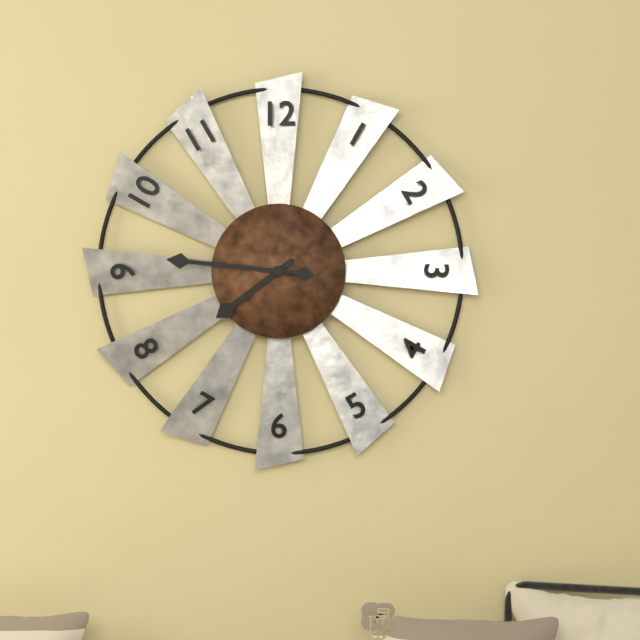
7:46
